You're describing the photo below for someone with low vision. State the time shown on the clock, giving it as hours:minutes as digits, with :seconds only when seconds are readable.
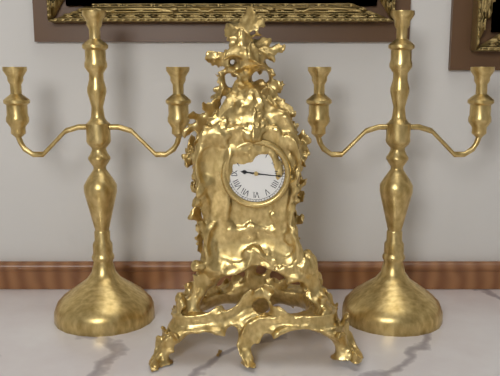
9:16
